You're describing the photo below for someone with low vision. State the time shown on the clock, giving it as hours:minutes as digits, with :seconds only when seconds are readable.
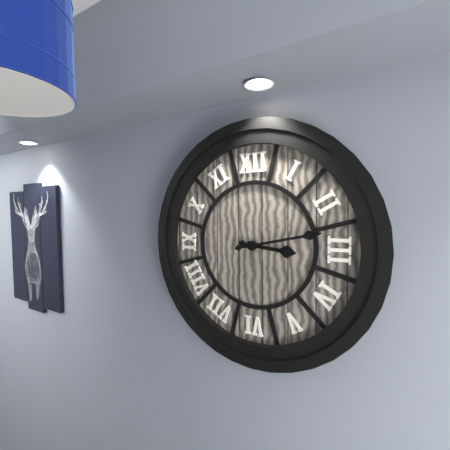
3:13
